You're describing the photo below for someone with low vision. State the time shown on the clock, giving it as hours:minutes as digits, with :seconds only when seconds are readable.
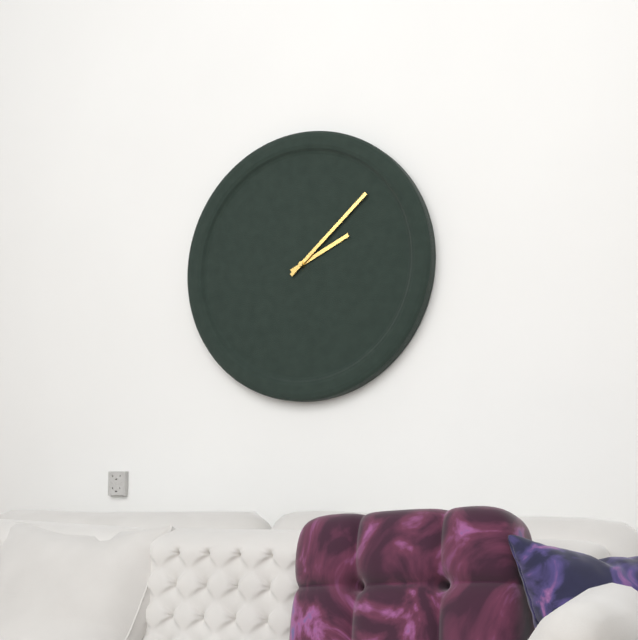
2:08
